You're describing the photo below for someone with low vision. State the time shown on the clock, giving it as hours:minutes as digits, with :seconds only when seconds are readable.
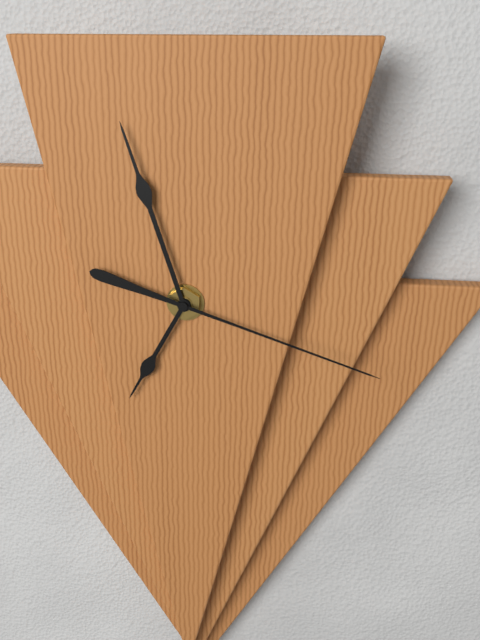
6:57:18
